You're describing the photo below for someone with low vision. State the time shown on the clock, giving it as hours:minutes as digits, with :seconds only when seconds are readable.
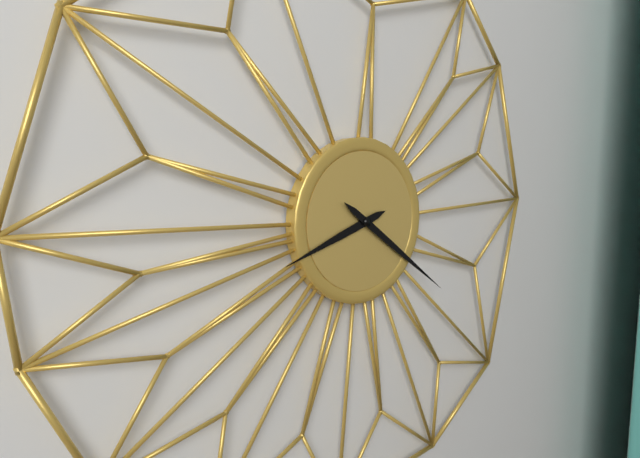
8:21
